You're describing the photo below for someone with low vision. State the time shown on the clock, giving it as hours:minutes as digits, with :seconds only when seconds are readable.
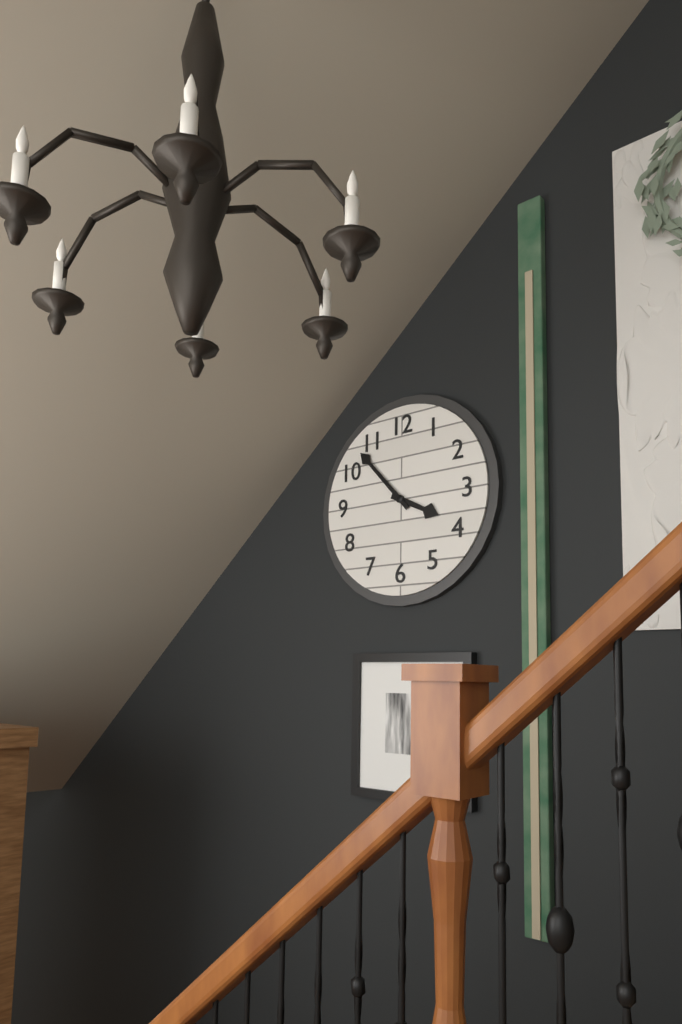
3:53
